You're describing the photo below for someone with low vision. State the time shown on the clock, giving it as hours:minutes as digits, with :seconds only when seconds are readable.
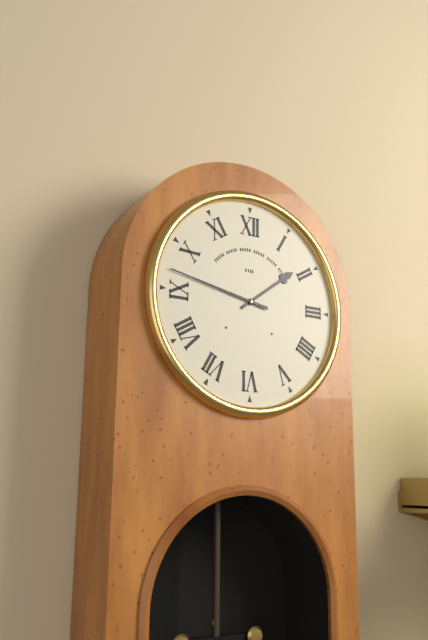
1:47
